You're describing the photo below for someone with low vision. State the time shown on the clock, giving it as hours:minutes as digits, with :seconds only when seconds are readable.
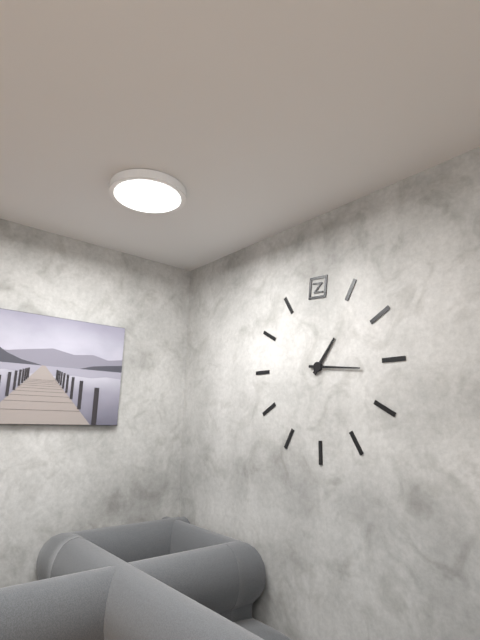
1:16
